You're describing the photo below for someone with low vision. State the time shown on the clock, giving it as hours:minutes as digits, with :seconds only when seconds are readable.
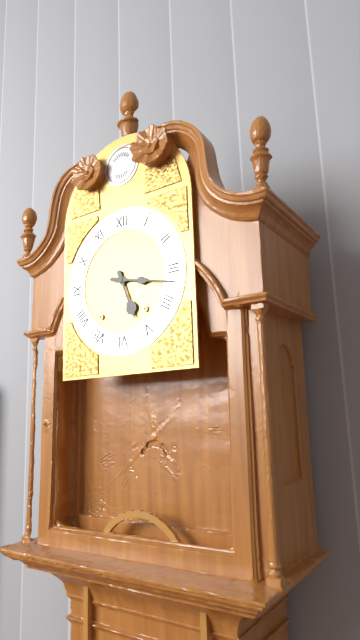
5:17
